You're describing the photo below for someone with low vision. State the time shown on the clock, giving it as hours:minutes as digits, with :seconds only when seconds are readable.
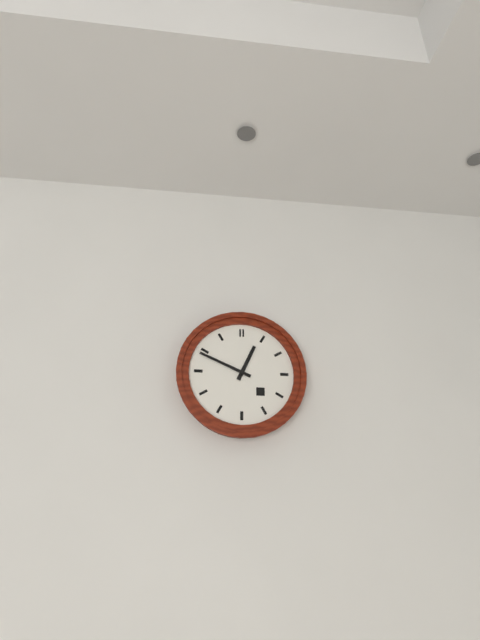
12:49
